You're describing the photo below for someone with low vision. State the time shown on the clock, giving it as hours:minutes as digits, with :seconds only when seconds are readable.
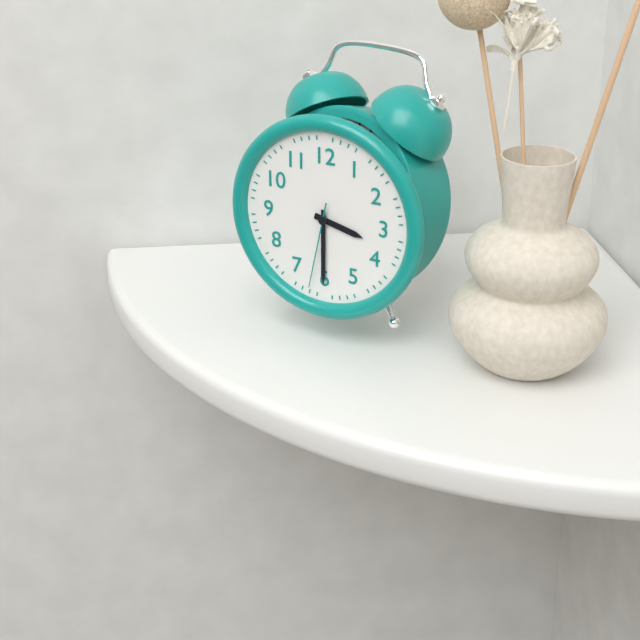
3:30:32
